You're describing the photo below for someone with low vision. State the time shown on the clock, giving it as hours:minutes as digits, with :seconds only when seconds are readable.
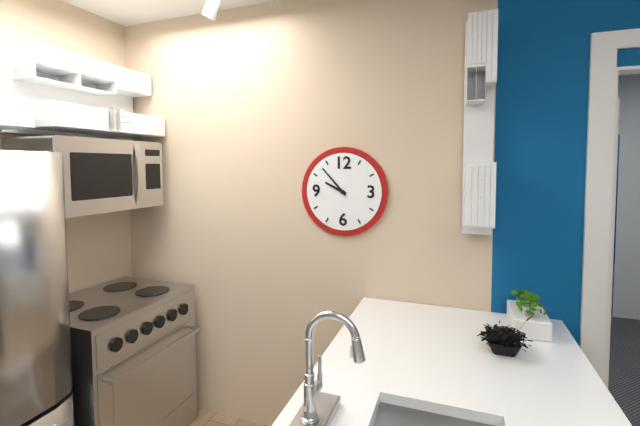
9:53
